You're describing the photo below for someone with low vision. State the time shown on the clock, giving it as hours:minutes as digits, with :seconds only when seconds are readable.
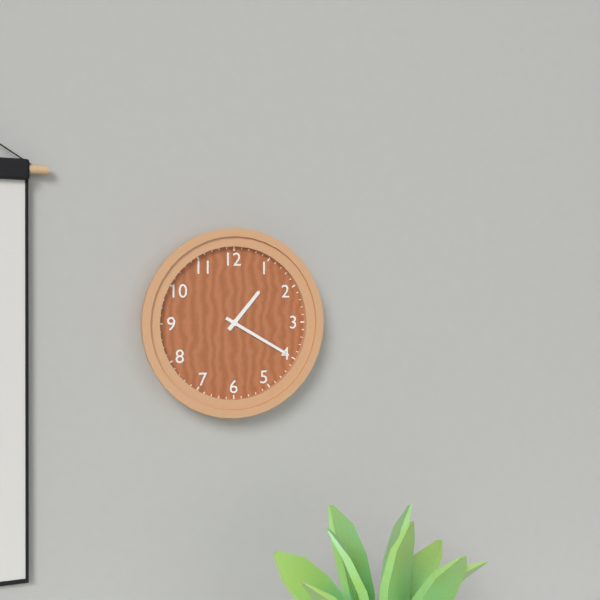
1:20
